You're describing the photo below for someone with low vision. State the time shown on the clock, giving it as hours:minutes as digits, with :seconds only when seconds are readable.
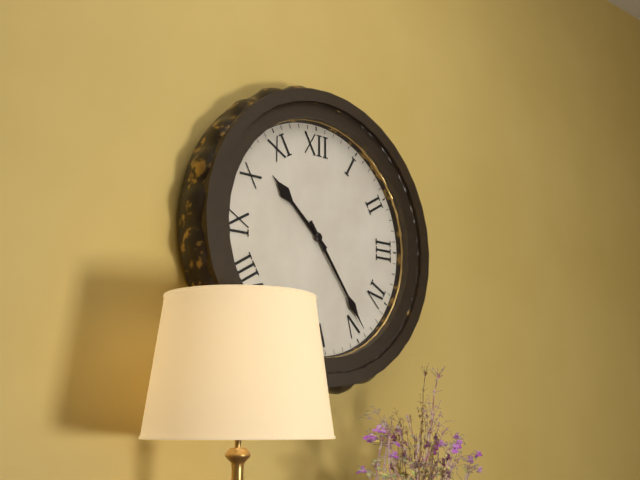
10:24
